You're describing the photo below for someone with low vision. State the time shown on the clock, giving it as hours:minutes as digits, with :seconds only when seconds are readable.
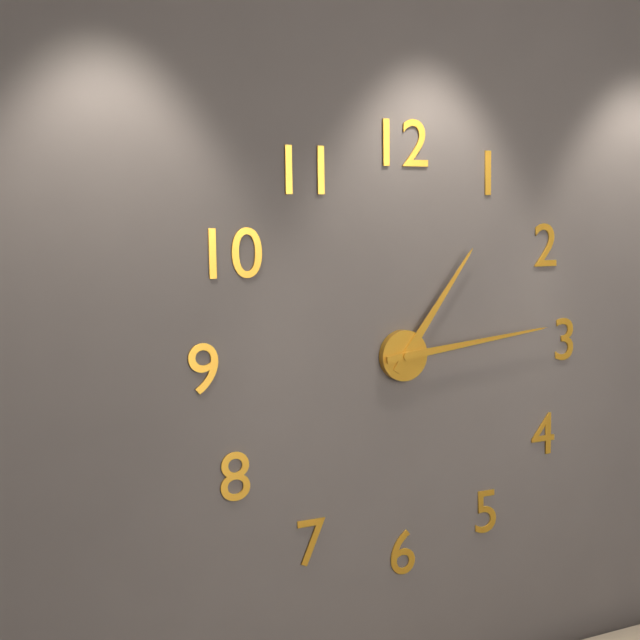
1:14
